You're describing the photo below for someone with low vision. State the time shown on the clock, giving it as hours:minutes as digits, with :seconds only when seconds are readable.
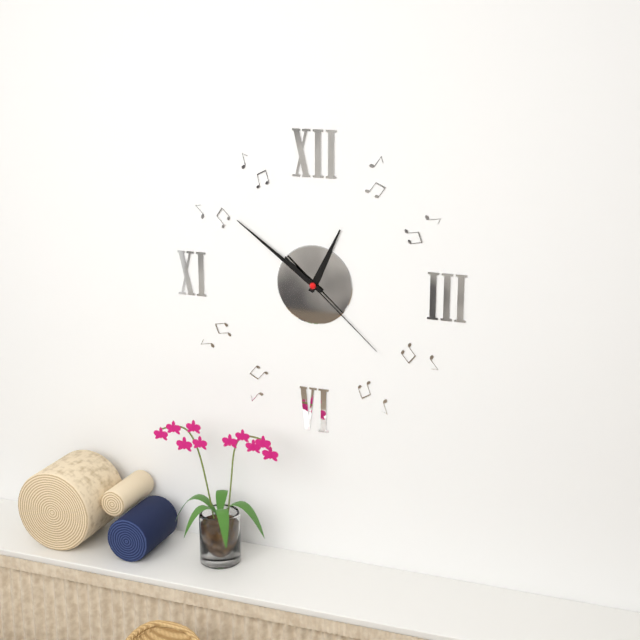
12:51:22
